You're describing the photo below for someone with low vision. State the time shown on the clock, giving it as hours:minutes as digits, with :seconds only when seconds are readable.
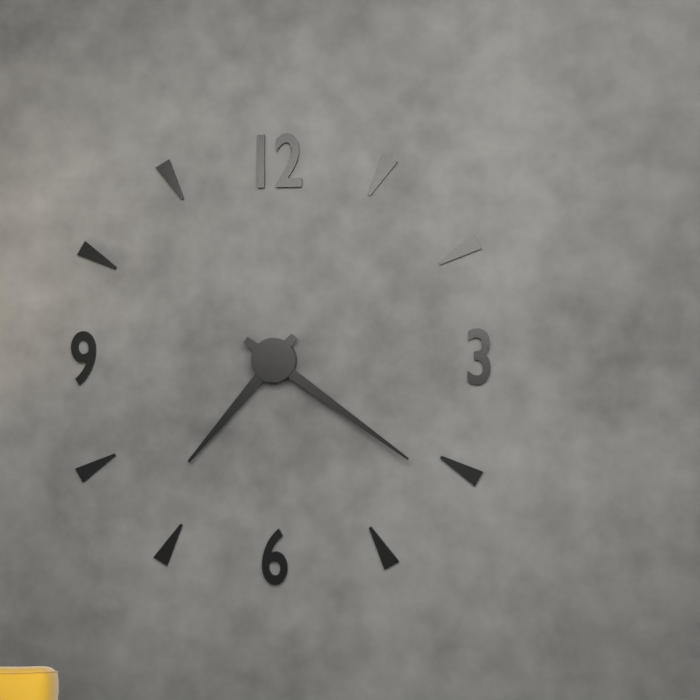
7:21
